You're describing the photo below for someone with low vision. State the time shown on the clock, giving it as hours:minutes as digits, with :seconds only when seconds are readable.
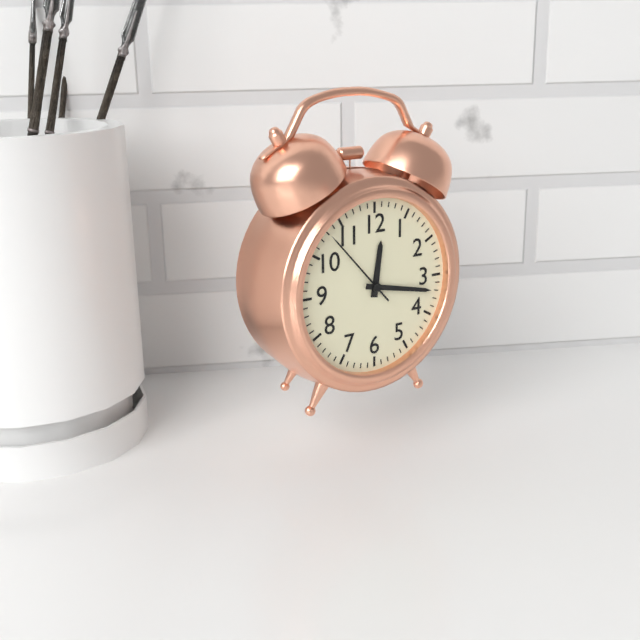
12:17:53
